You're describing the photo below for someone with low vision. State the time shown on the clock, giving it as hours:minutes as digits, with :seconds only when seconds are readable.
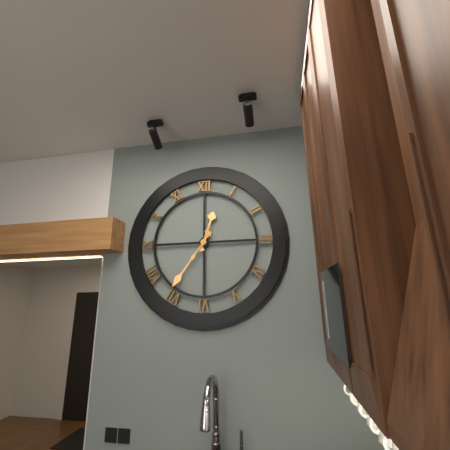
12:36
